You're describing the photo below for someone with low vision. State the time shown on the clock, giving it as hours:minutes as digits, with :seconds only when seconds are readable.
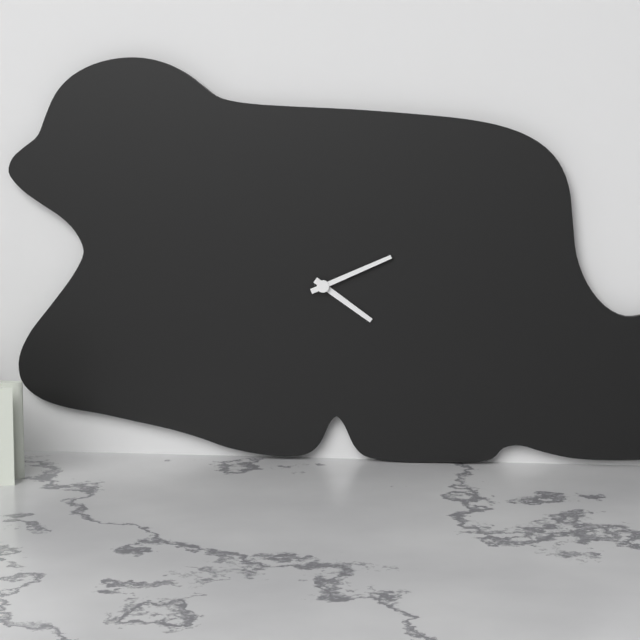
4:11
